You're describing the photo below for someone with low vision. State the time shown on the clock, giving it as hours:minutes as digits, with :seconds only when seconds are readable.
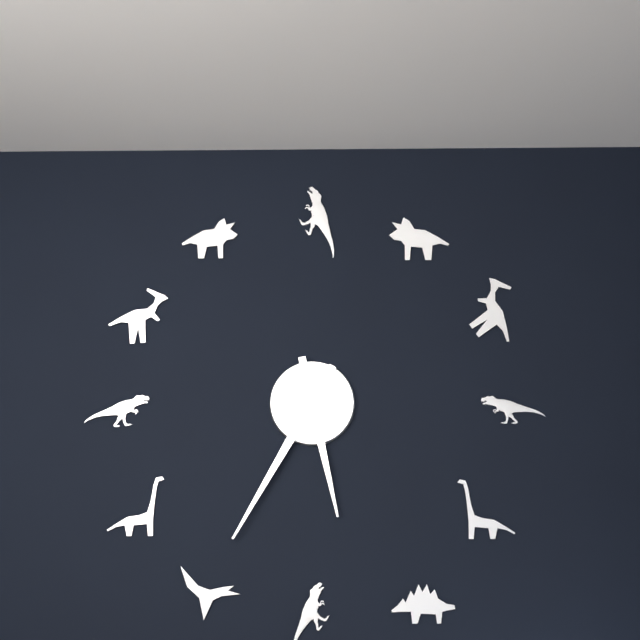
5:35
